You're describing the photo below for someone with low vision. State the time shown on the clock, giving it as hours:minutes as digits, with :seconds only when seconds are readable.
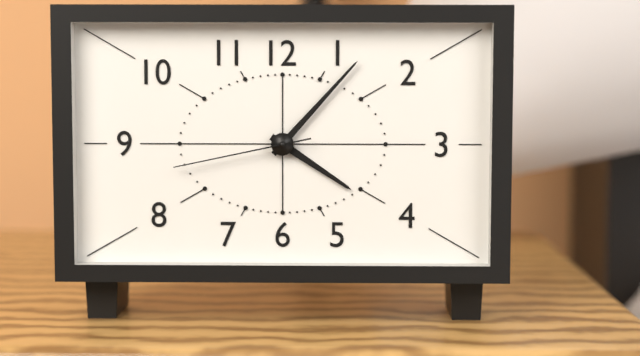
4:07:43
